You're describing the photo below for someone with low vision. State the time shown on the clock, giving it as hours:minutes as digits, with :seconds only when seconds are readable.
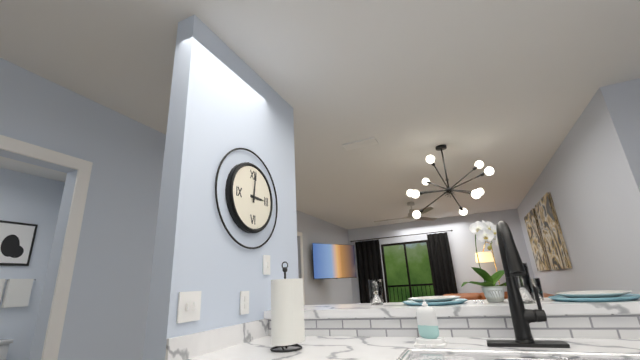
3:01
